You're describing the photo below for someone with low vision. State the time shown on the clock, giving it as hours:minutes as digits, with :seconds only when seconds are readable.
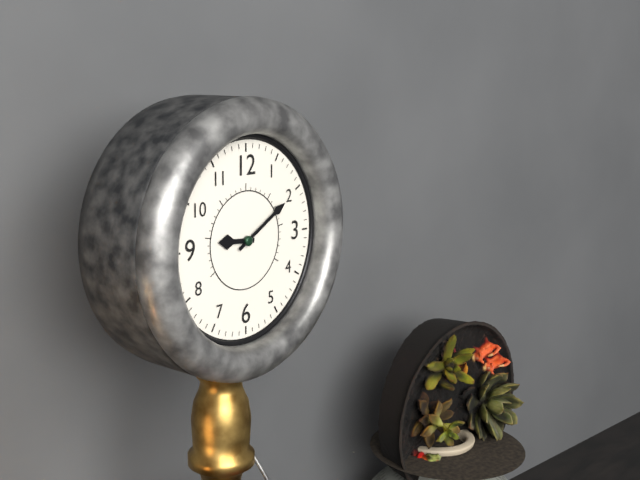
9:10
